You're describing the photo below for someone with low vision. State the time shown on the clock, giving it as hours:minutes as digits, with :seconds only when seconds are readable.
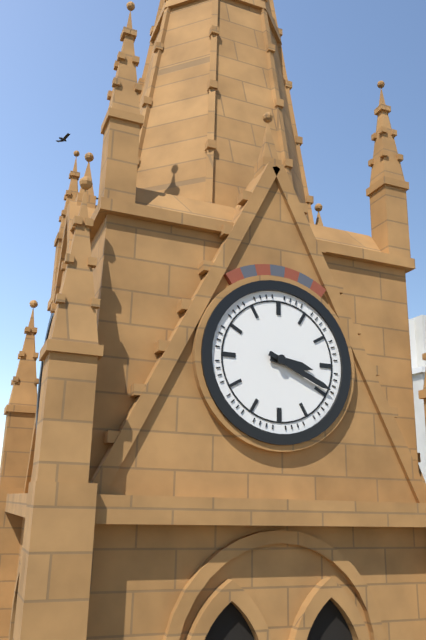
3:19
